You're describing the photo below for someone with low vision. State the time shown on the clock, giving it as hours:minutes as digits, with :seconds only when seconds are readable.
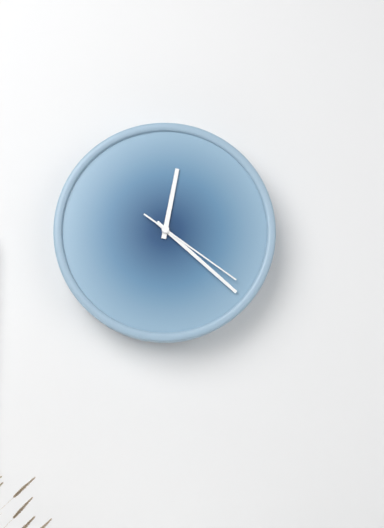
12:22:21
